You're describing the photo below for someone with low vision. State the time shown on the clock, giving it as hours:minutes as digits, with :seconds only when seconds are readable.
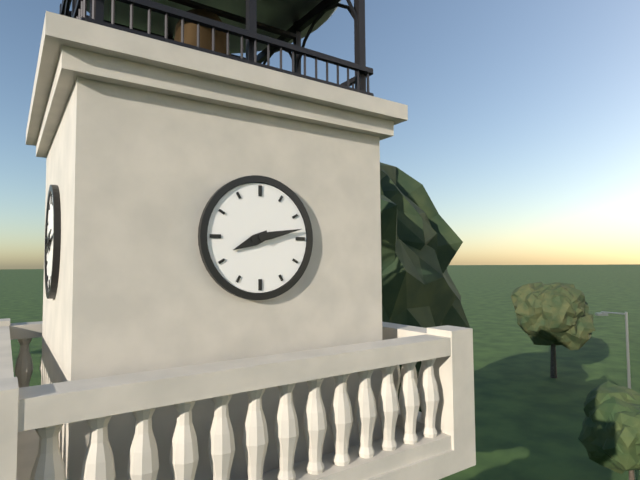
8:13
